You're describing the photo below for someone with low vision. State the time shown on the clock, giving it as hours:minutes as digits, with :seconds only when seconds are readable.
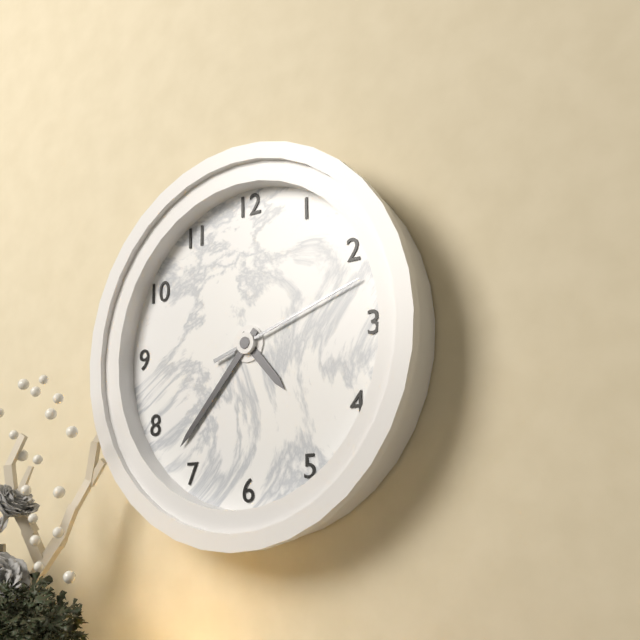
4:37:12
